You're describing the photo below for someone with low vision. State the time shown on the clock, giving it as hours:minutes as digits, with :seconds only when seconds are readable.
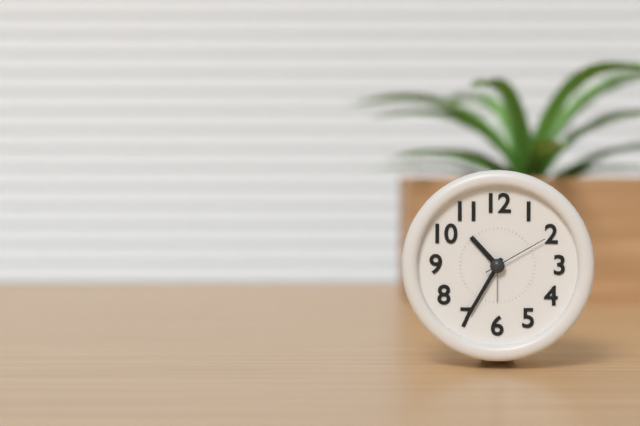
10:35:10
